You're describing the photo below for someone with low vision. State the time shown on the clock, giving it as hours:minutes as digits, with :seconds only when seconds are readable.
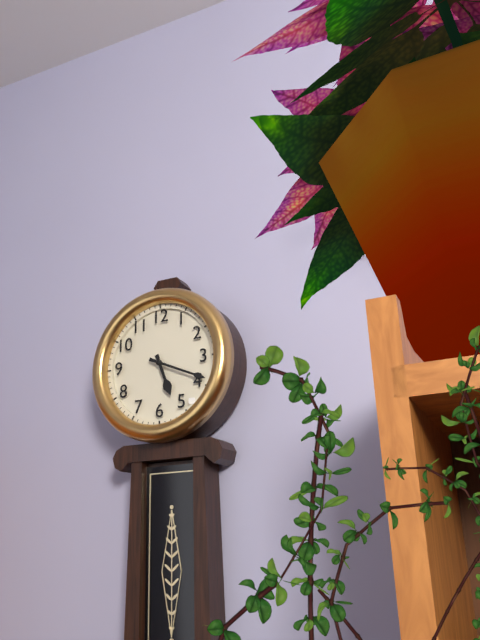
5:19
